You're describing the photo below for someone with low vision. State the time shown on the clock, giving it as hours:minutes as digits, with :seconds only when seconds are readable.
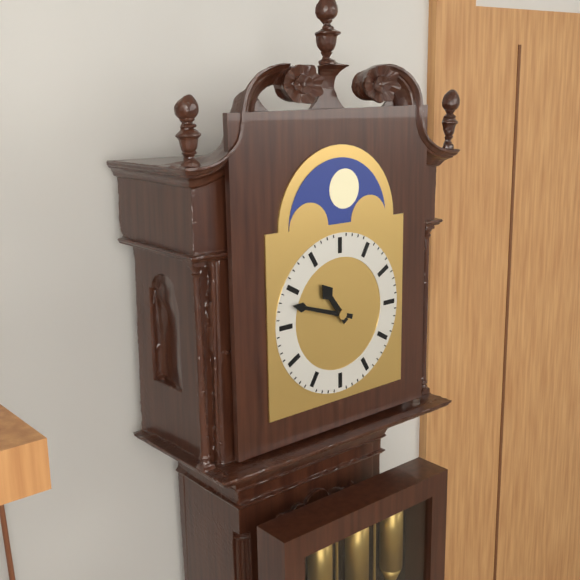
10:48
